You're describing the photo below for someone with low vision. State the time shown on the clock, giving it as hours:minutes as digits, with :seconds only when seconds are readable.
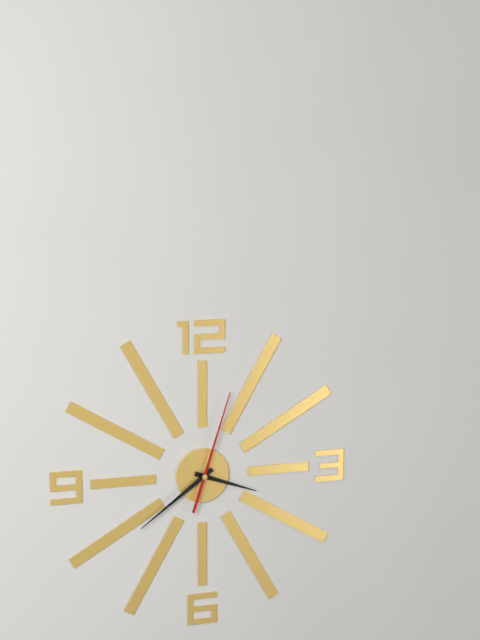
3:39:03
